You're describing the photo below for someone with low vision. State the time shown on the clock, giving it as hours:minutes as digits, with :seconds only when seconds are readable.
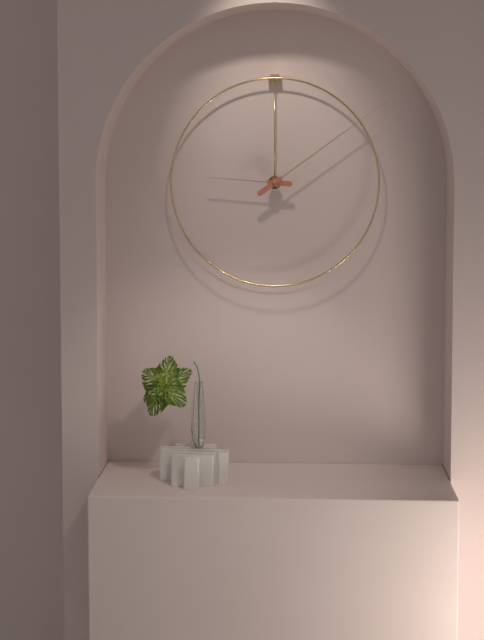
9:09
